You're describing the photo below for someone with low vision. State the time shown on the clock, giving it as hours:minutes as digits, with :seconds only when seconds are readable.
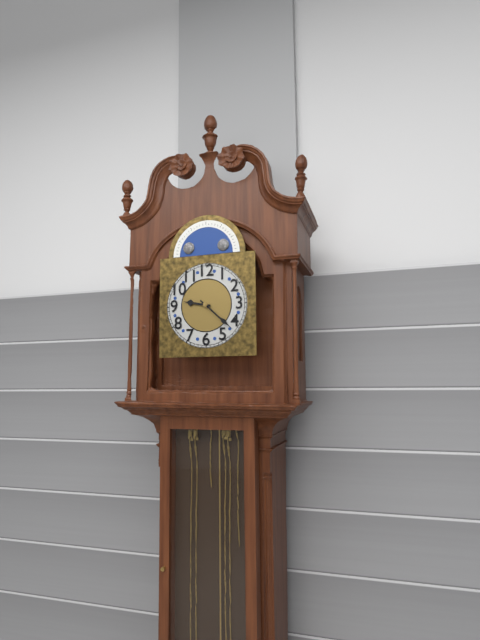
9:22
